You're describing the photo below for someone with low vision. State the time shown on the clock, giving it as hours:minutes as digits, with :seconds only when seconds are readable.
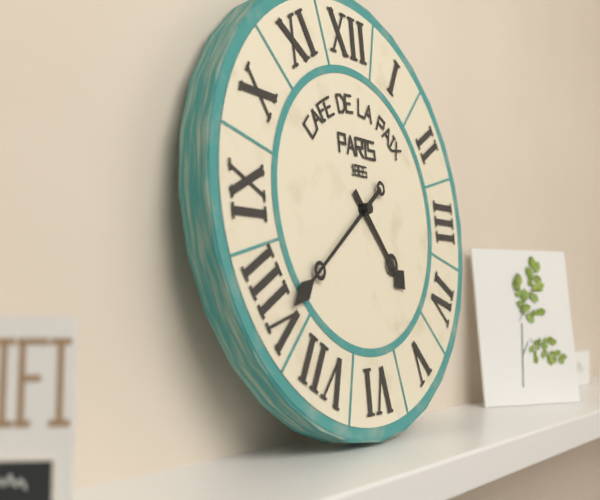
4:39
